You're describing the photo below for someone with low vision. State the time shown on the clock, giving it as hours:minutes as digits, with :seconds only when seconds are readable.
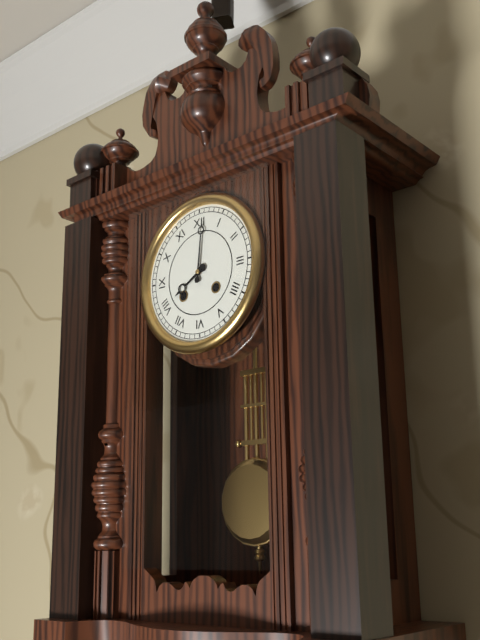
8:01
